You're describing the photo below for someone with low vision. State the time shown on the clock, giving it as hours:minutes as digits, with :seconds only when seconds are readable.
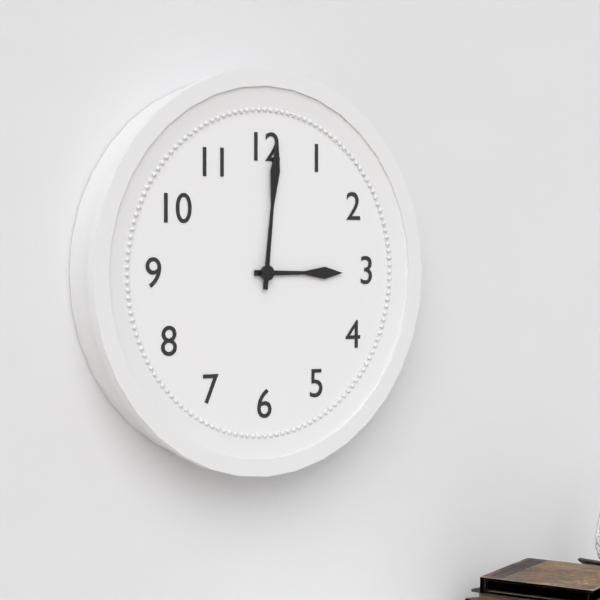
3:01
